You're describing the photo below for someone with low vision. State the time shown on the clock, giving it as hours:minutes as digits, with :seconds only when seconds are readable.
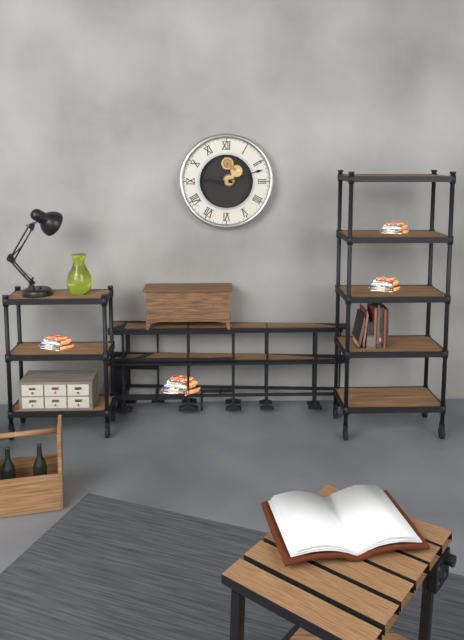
9:12
